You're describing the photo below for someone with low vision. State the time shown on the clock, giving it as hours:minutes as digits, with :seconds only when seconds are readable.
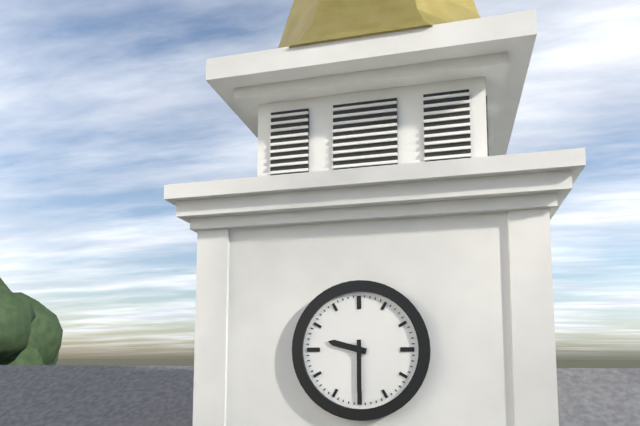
9:30
